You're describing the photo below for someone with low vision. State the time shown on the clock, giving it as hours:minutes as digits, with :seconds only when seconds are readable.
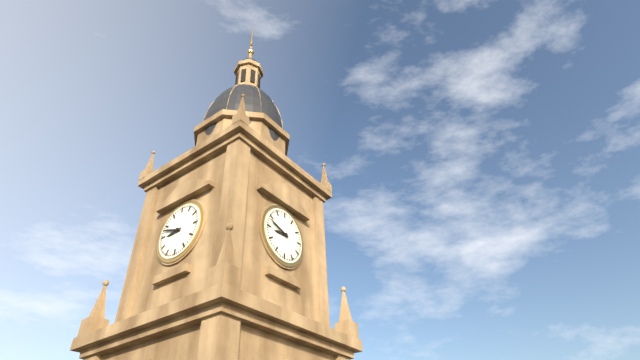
8:48
